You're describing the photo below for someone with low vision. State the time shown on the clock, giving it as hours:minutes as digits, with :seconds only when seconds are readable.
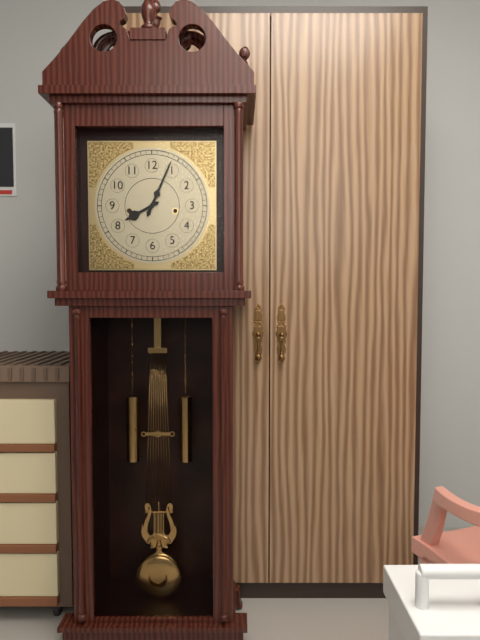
8:04
